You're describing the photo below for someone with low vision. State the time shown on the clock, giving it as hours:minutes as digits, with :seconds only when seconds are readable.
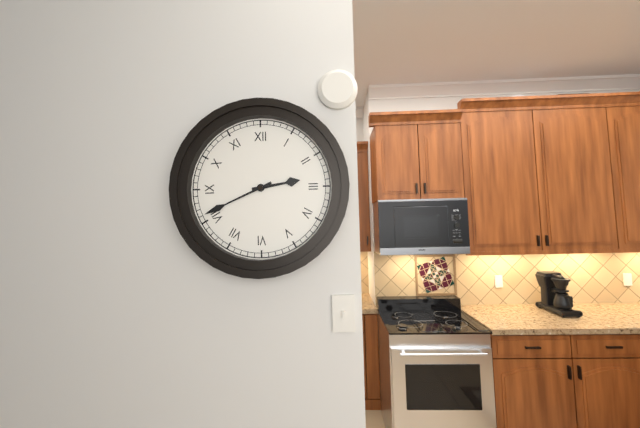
2:41
